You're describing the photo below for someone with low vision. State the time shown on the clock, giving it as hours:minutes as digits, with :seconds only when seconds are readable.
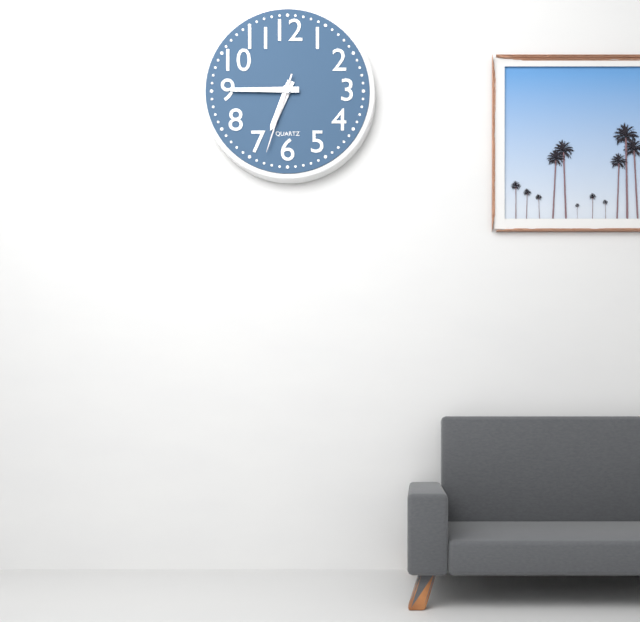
6:45:33
